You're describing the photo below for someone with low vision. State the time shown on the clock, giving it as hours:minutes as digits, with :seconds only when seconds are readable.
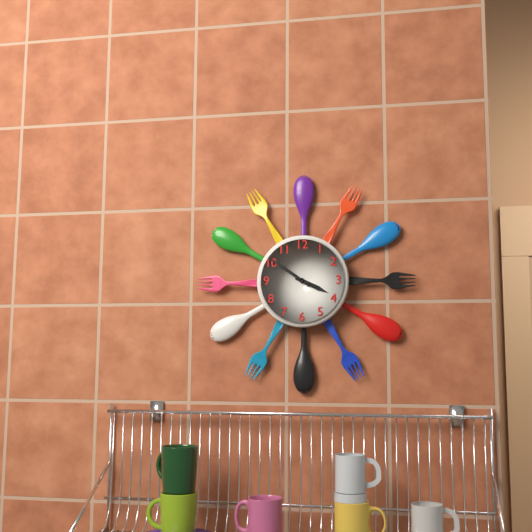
3:51
